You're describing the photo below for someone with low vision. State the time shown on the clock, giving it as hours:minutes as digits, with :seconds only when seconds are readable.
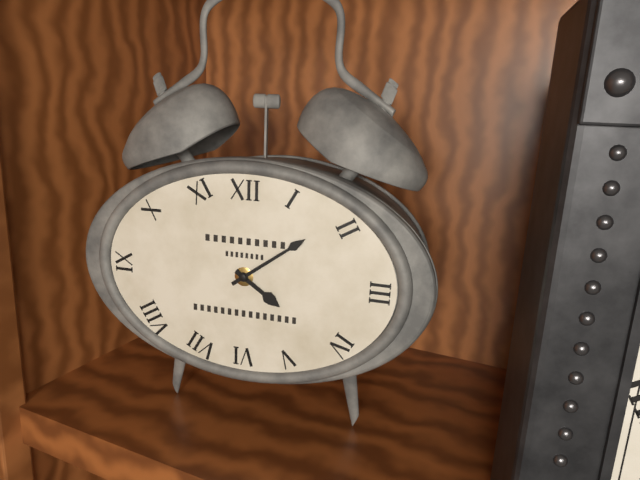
4:09
